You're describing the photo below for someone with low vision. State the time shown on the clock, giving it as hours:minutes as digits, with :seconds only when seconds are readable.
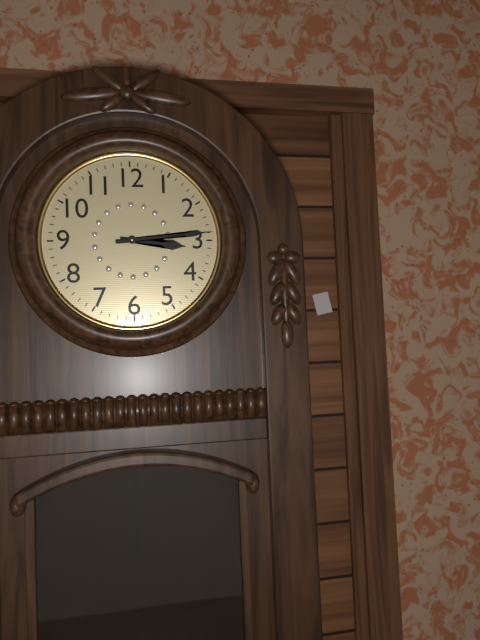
3:14
